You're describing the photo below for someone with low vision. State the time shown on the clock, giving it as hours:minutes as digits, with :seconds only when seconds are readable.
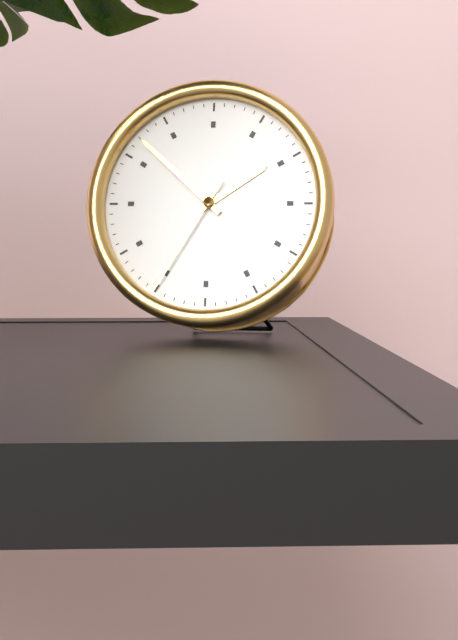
1:52:35
